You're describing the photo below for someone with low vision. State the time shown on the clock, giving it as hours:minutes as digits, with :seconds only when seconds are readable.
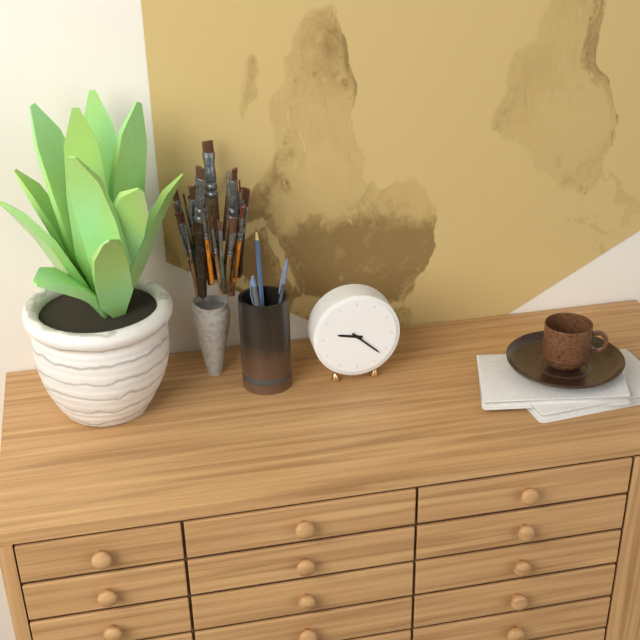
9:22
